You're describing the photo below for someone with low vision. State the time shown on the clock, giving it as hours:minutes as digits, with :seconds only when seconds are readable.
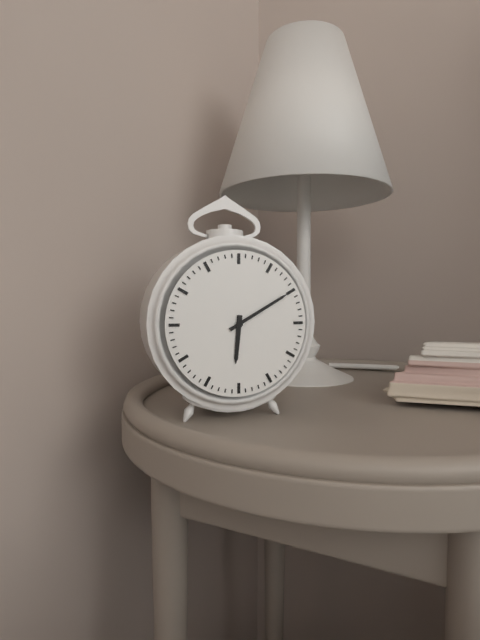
6:10
